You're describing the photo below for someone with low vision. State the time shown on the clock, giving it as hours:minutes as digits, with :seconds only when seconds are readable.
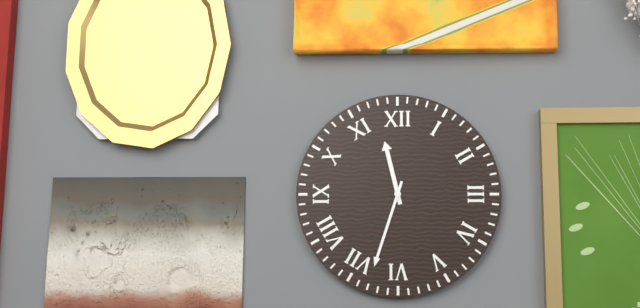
11:33
